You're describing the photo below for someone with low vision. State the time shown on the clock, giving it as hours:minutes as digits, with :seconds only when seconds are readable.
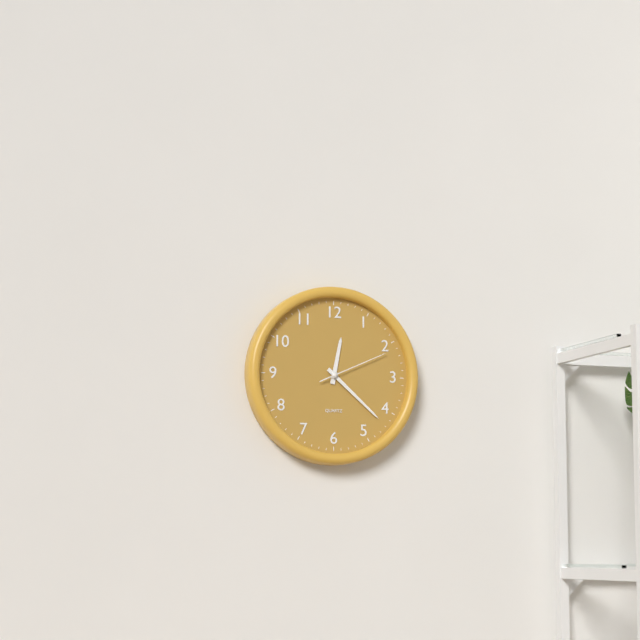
12:22:11
